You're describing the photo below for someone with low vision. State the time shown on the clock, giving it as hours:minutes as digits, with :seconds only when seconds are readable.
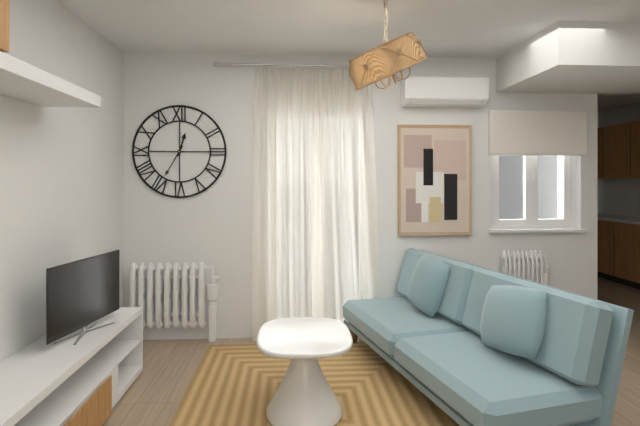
12:35
